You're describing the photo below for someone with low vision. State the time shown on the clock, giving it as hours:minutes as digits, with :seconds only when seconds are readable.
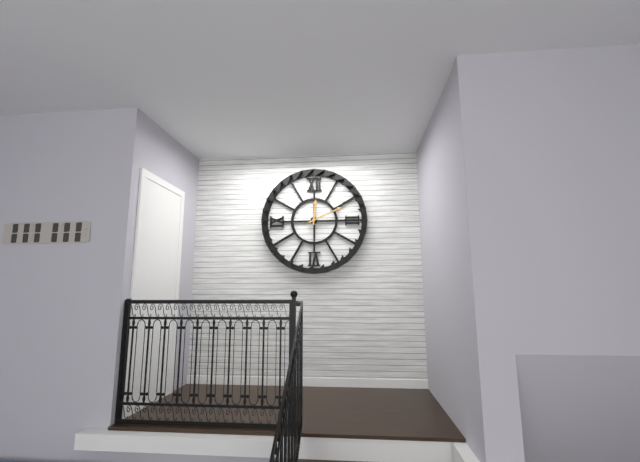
12:11
